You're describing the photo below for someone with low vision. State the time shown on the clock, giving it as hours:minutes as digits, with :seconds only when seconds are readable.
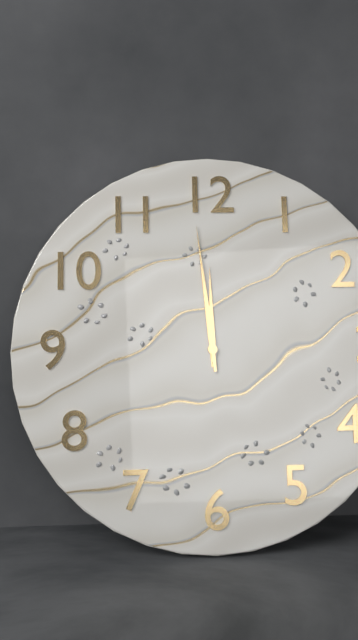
11:59
